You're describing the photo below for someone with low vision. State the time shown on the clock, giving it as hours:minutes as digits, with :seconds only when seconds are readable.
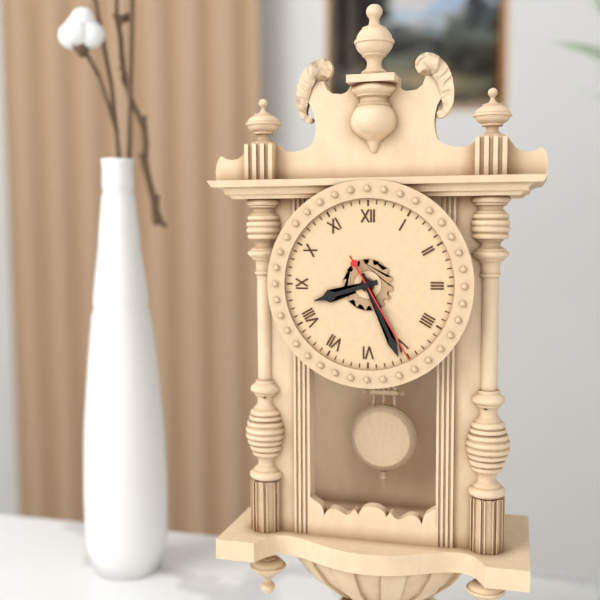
8:26:25
